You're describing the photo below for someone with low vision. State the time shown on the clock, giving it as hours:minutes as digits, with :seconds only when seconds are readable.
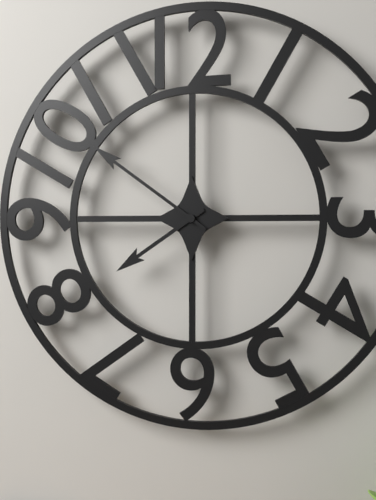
7:51
